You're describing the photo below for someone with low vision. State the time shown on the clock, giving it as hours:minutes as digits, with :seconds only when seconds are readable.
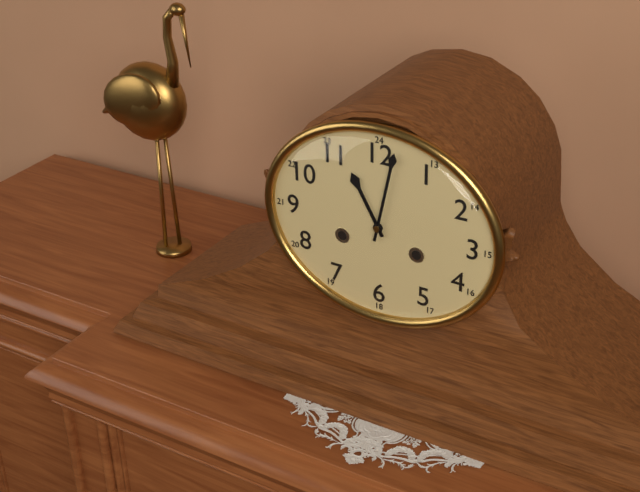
11:02
